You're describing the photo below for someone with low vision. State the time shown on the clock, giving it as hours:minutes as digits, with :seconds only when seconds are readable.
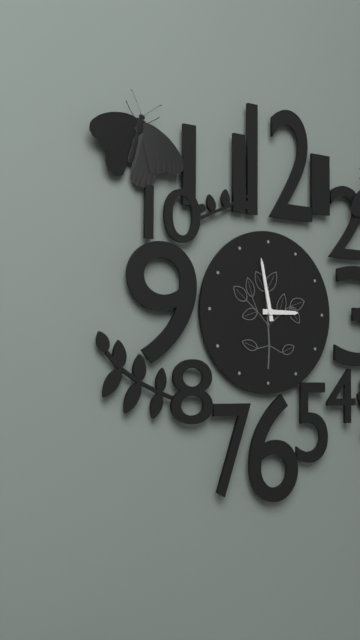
2:58
